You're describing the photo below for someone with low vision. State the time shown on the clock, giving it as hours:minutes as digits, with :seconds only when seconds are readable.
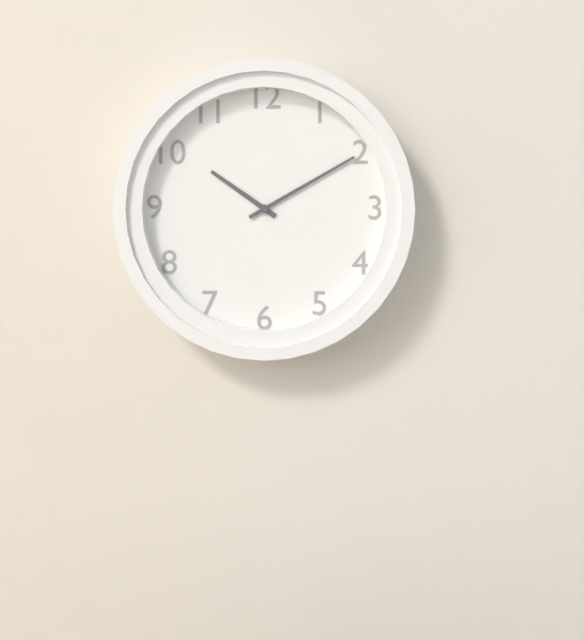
10:10
